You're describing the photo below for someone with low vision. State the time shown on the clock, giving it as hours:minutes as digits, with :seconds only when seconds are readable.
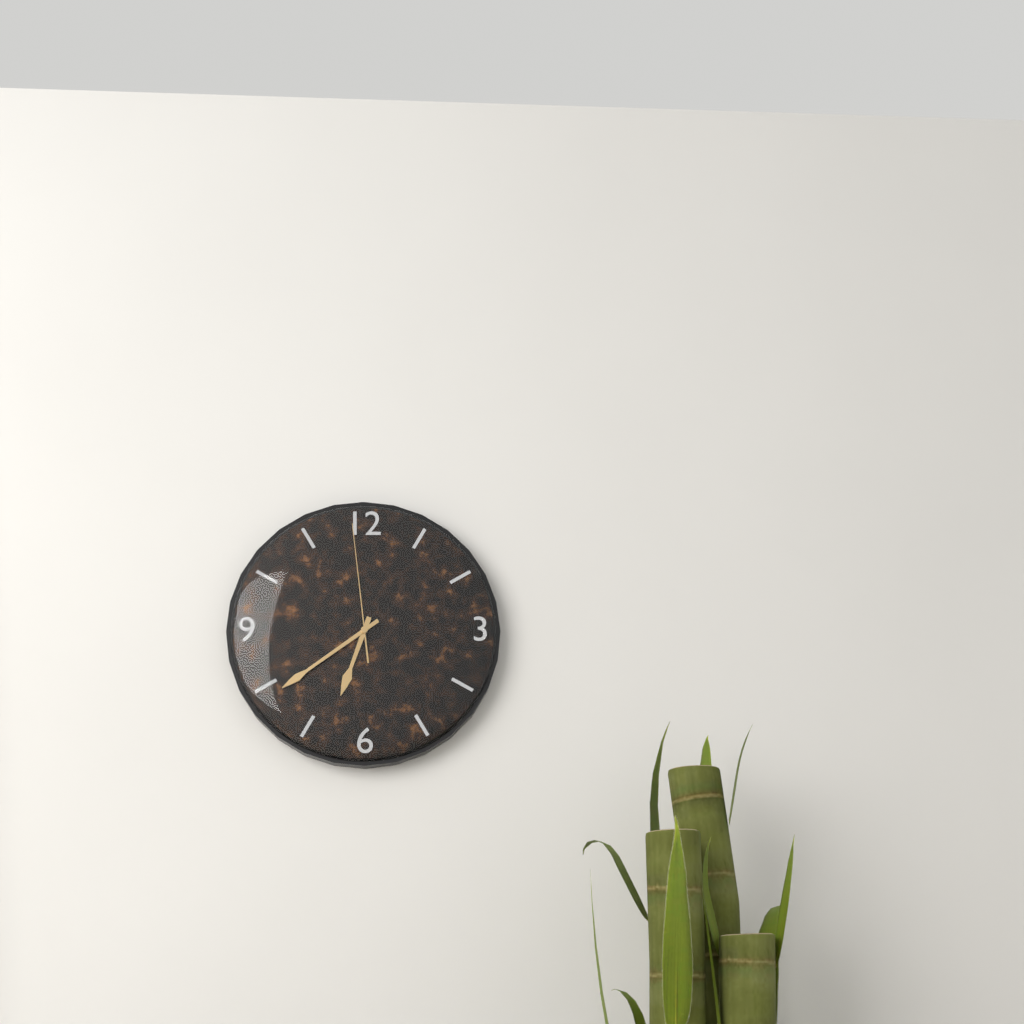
6:39:59
